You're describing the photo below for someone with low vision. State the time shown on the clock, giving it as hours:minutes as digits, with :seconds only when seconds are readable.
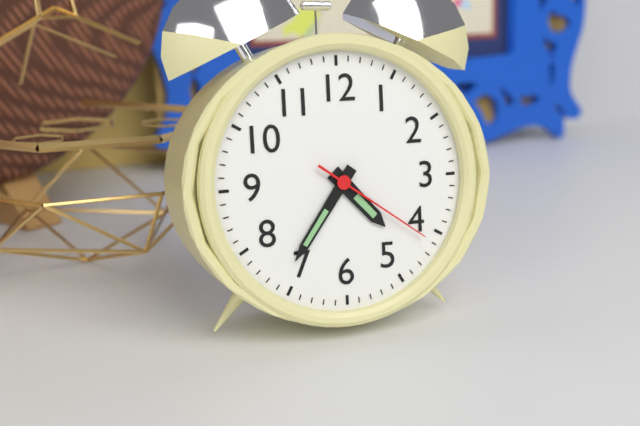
4:36:21
